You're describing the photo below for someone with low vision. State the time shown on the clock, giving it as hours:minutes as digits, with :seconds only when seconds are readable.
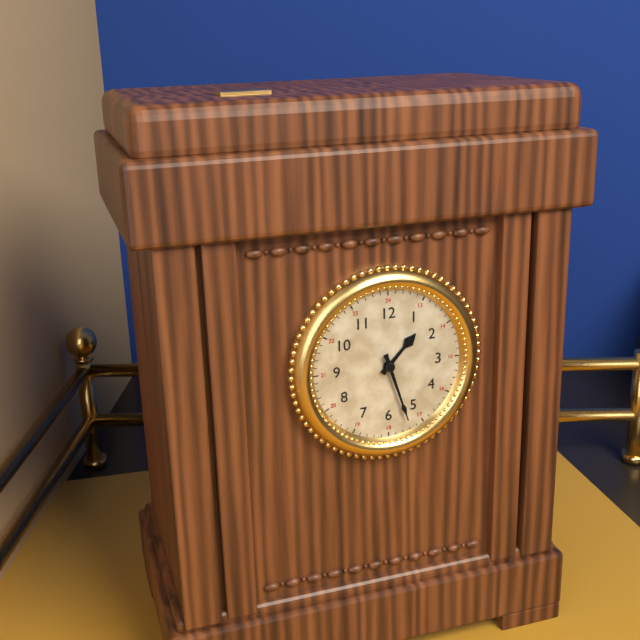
1:27
